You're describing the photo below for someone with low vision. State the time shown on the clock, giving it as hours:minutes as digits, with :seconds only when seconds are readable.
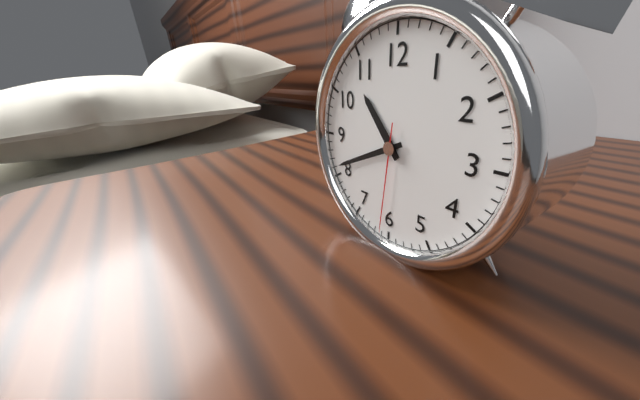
10:41:31
